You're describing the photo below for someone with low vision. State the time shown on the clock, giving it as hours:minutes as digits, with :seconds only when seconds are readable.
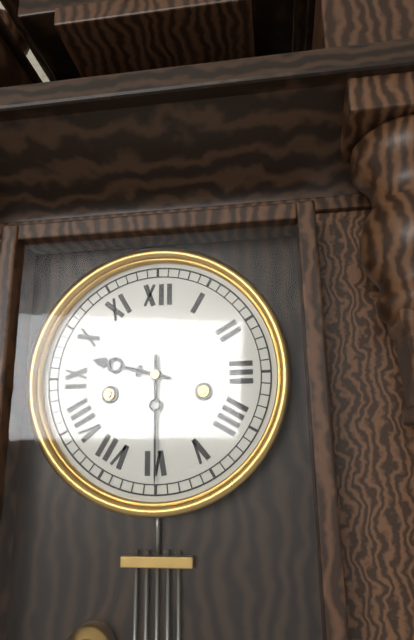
9:30
